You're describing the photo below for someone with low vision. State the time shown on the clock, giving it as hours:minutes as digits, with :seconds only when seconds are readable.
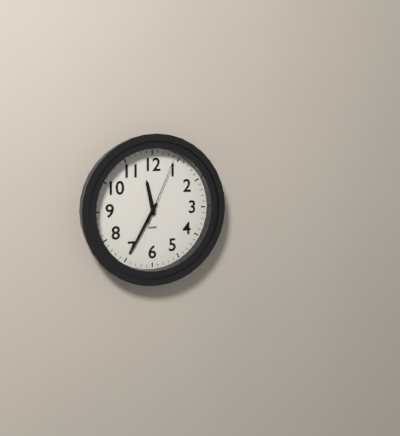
11:35:04
